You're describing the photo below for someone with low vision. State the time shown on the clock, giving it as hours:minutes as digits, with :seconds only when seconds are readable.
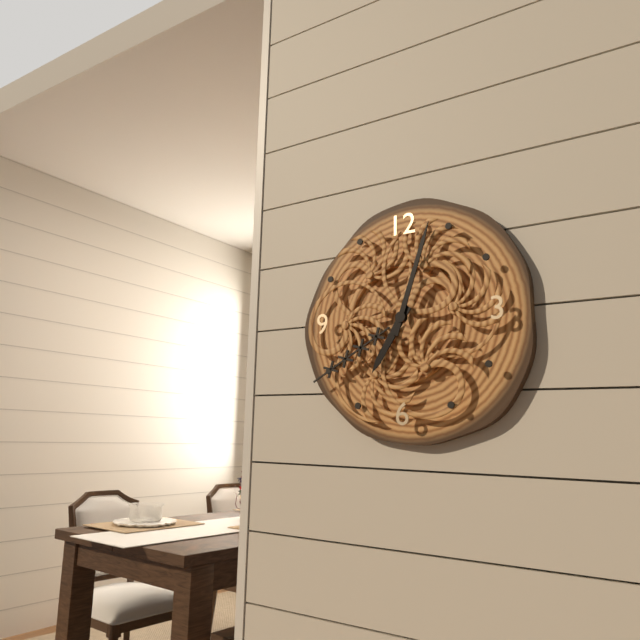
7:03
